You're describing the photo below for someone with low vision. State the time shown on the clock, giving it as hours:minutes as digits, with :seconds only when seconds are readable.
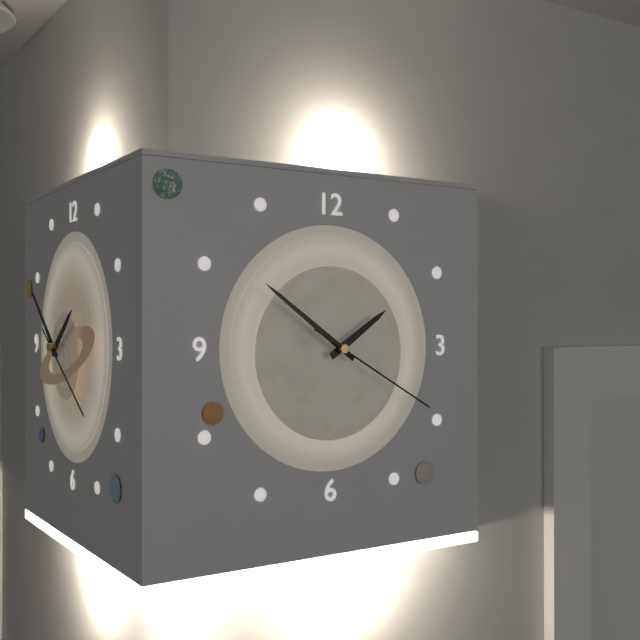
1:51:20
